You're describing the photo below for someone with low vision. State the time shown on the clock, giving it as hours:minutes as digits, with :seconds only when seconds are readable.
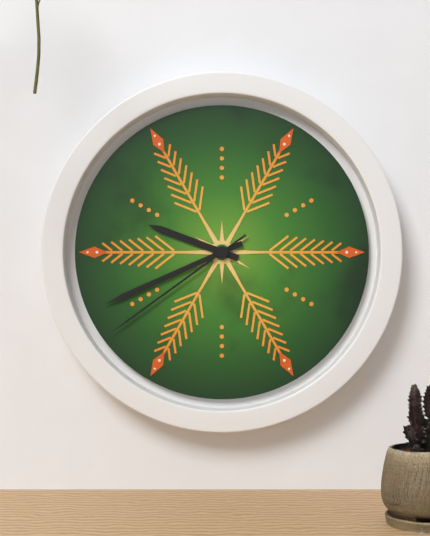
9:41:39
